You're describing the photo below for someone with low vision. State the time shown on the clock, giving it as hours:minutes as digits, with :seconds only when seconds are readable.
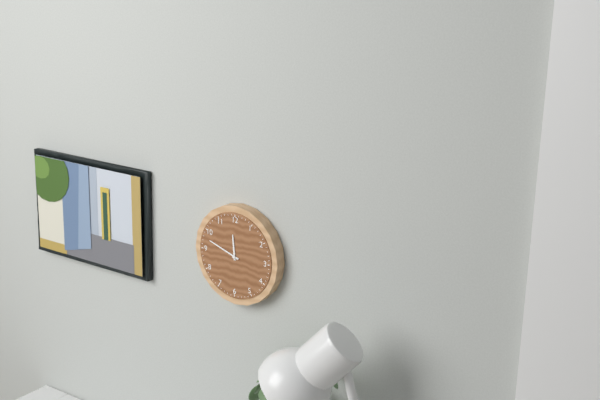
11:48
